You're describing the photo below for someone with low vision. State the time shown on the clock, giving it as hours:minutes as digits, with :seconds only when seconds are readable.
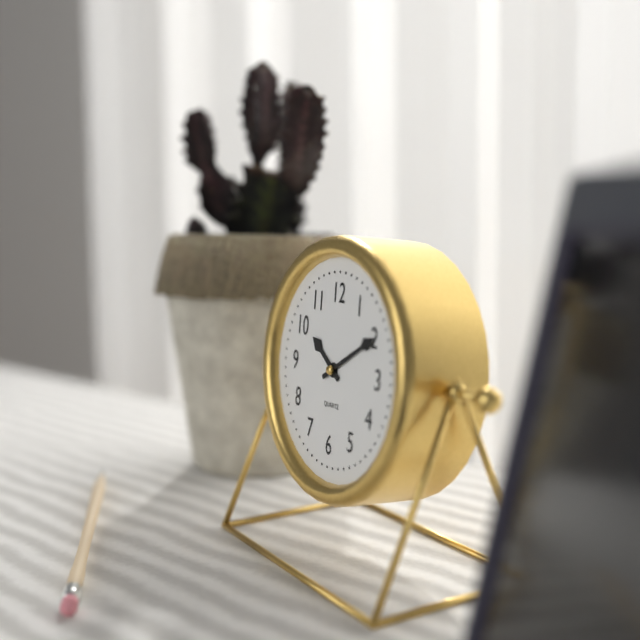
10:10
